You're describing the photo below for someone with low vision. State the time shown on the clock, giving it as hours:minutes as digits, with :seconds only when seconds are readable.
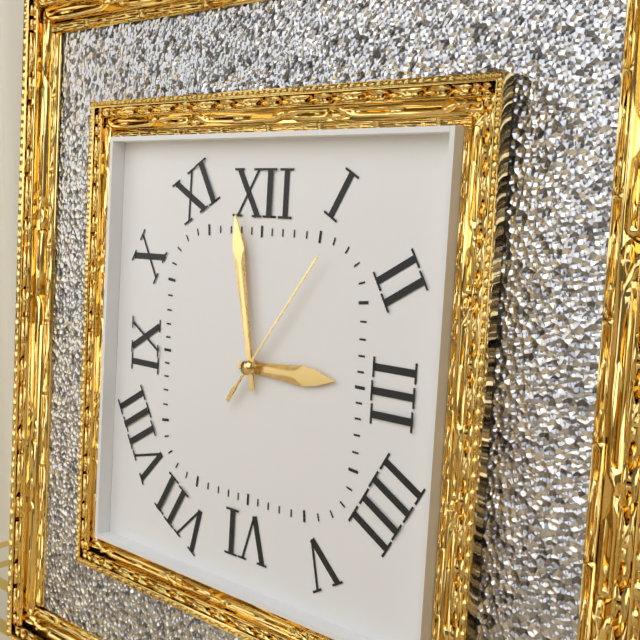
2:58:06
